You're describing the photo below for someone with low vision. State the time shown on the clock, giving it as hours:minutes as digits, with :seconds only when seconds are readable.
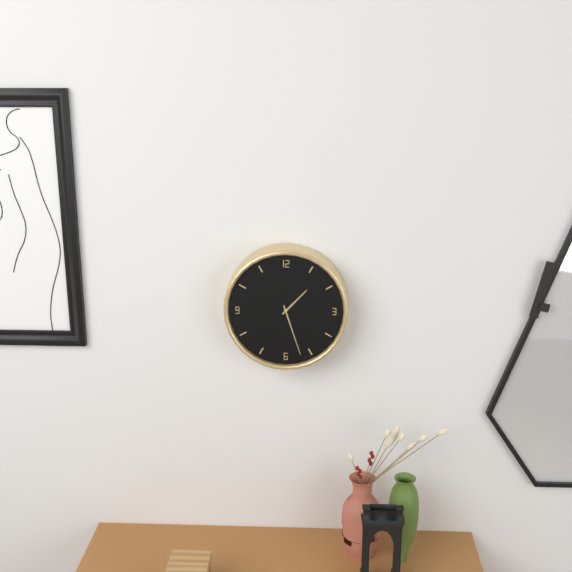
1:27
